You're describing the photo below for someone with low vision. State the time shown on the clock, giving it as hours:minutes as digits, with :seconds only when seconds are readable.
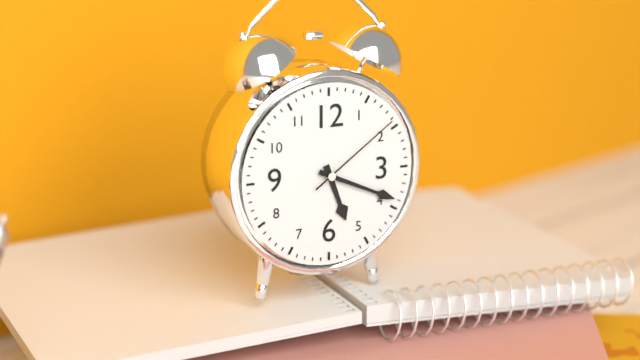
5:19:09
